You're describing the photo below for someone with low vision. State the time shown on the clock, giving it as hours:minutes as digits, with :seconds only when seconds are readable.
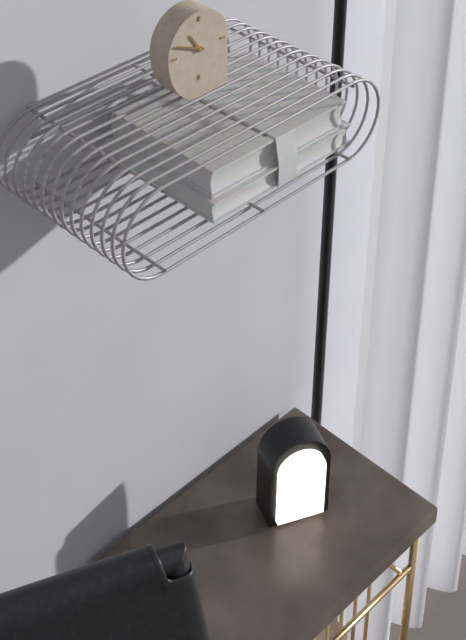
10:49
